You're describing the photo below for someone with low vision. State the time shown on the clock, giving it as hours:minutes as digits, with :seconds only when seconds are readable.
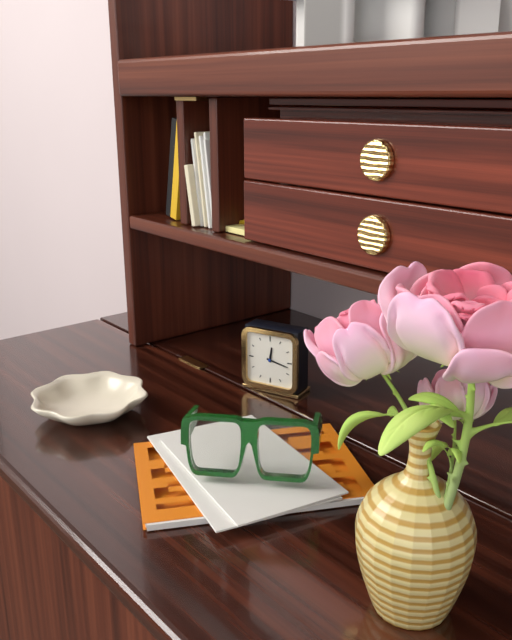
12:17
